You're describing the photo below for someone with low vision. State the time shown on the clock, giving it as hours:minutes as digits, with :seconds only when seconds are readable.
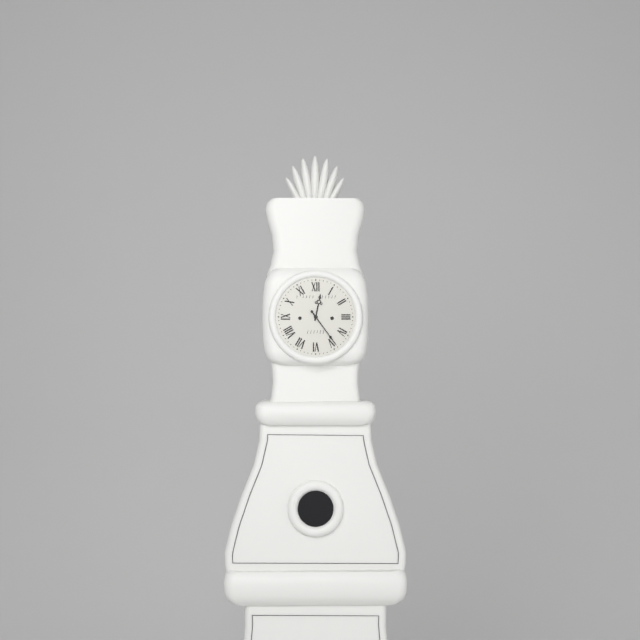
12:24
